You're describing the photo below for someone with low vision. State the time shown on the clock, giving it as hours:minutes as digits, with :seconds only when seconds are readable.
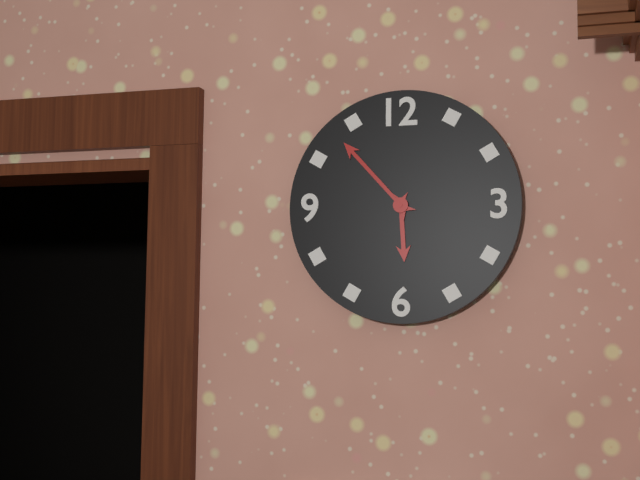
5:53
